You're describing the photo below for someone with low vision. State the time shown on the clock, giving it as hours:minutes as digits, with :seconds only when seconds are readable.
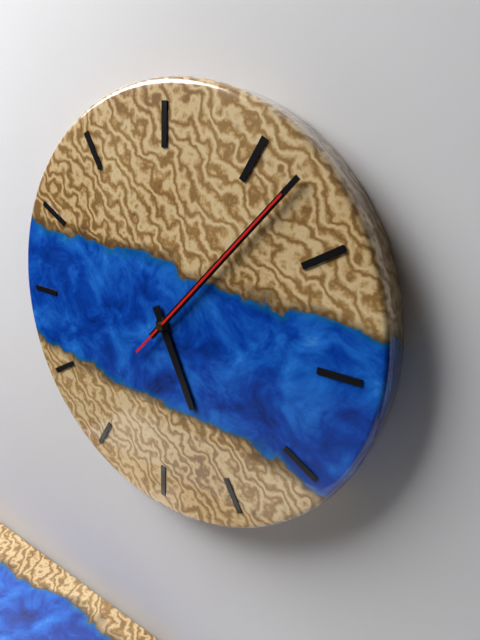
5:07:07
